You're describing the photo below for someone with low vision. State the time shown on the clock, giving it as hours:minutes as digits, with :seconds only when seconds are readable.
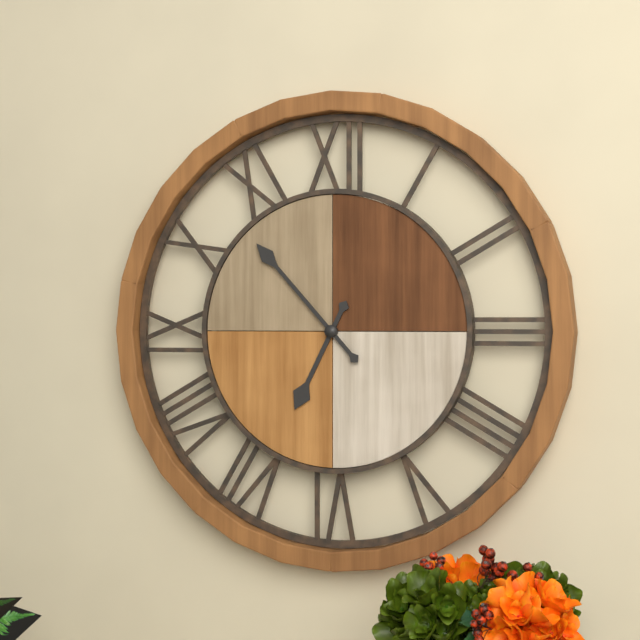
6:53
